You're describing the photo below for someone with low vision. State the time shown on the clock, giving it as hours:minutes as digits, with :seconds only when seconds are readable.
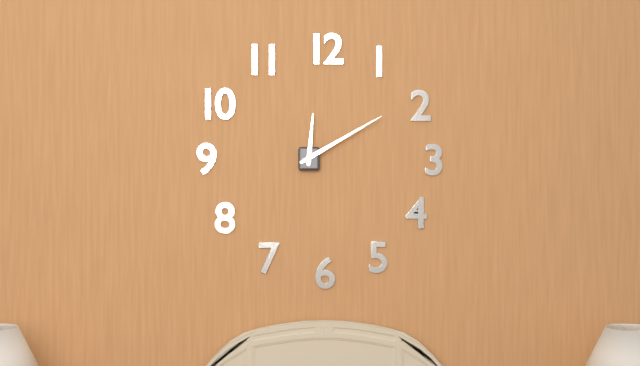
12:10
